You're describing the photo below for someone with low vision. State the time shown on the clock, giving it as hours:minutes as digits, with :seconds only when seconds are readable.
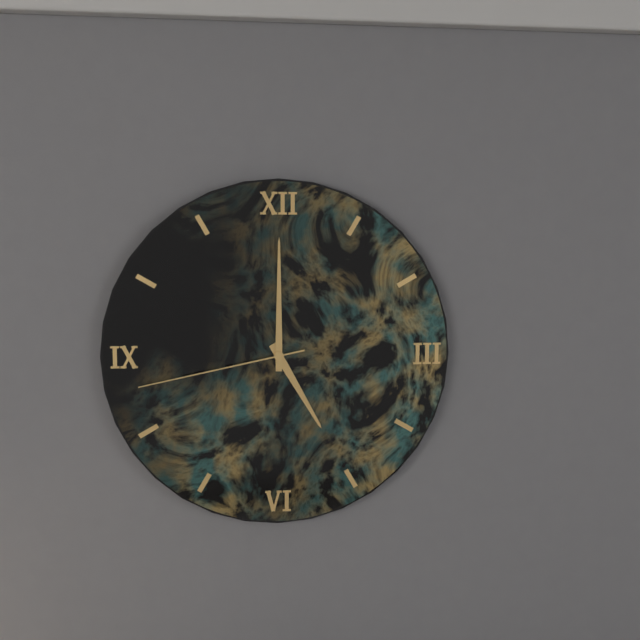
5:00:43
